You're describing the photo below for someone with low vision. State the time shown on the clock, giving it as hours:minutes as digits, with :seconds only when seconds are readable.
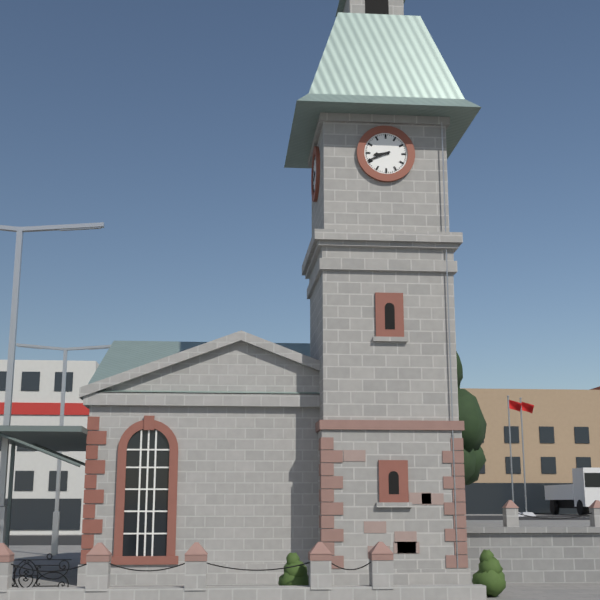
8:41
